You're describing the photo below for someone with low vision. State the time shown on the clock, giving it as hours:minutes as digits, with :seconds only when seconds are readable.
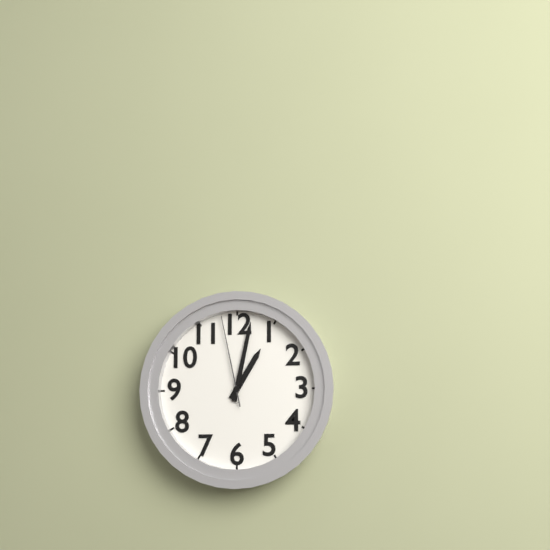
1:02:58
